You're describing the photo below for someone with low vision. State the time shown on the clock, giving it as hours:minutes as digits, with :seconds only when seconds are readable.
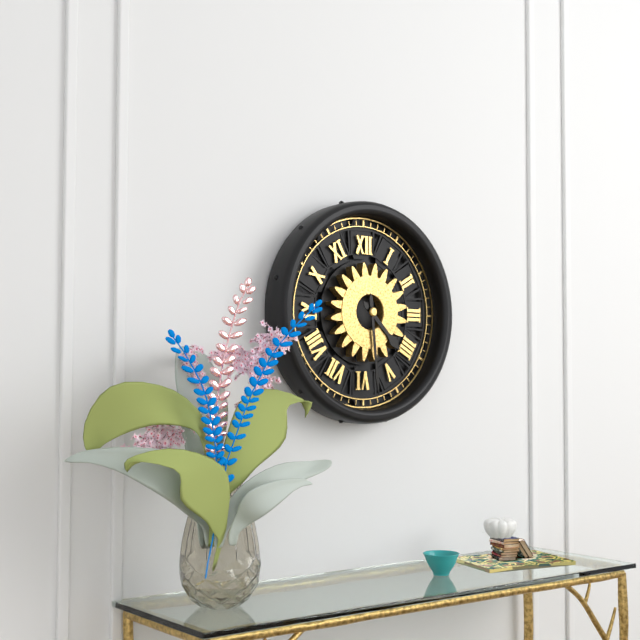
4:29
